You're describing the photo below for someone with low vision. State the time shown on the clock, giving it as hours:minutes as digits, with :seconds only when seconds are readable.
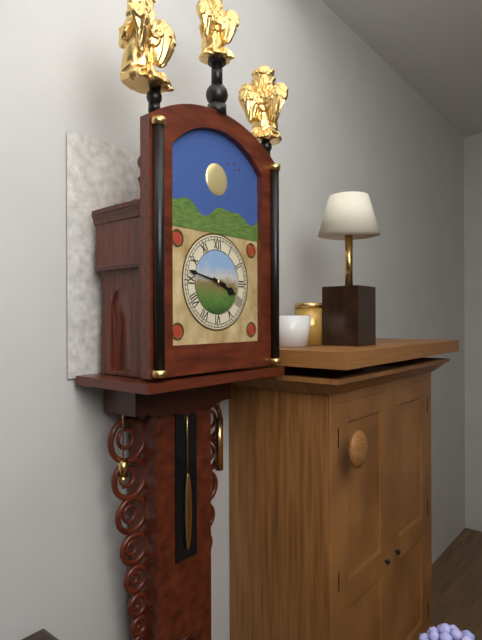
3:47
